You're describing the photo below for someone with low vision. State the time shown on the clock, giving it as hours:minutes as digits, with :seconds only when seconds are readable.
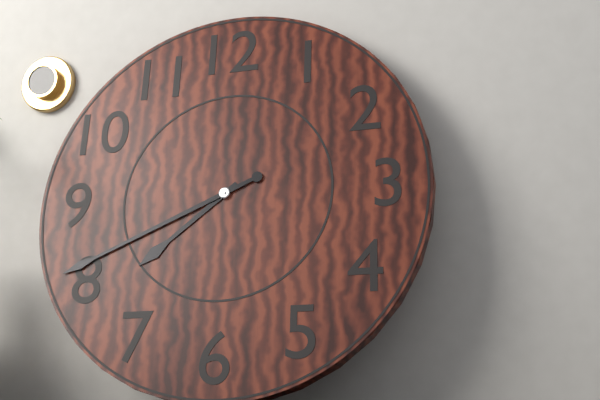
7:41
